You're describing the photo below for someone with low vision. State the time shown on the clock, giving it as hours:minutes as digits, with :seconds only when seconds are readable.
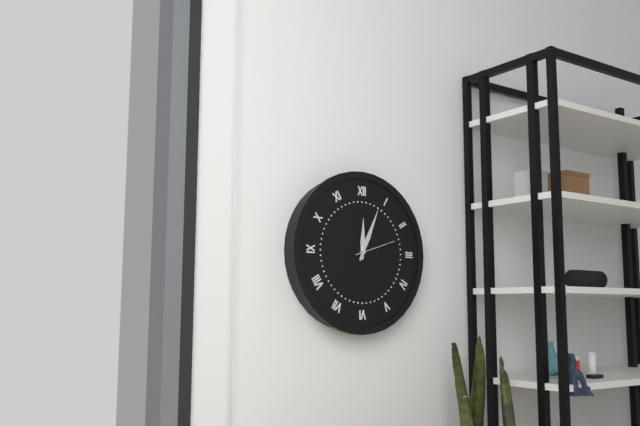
12:04
